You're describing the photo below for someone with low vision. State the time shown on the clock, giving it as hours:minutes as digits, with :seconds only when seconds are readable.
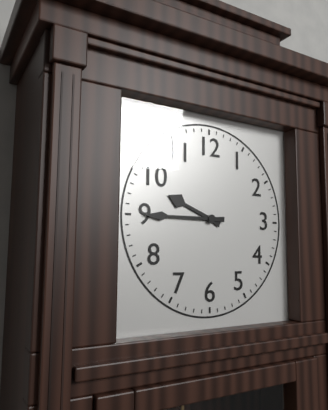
9:45
